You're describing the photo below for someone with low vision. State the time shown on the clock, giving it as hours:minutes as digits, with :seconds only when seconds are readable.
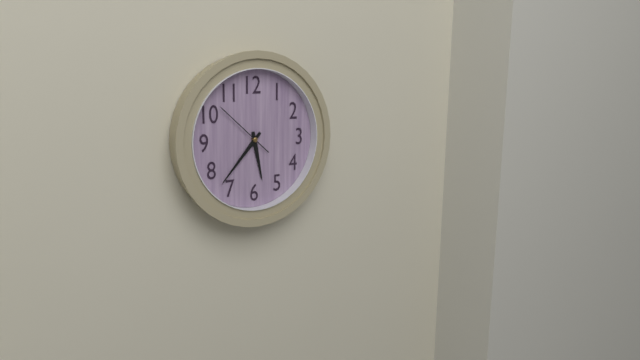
5:37:52
